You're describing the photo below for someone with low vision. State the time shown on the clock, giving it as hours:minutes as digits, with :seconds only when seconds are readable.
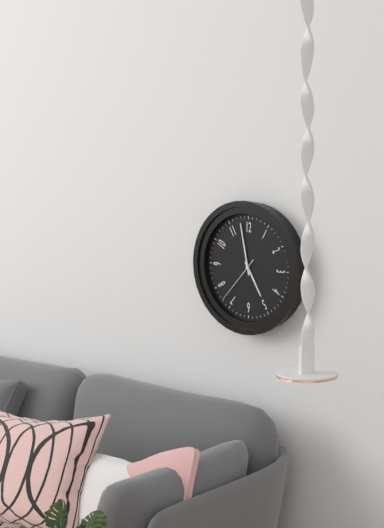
4:58:37
